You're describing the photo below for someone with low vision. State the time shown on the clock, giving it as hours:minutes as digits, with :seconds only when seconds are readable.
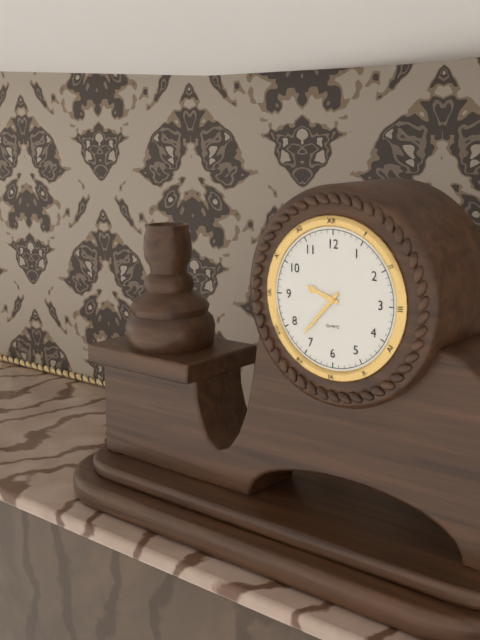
9:37
